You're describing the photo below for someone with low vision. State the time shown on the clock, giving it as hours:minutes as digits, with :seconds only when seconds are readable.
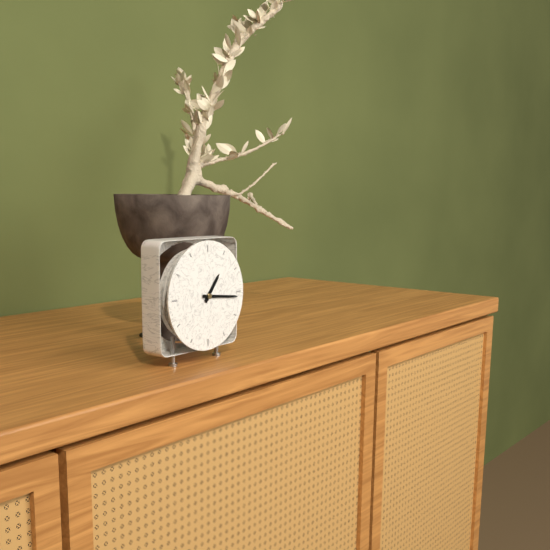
1:16
